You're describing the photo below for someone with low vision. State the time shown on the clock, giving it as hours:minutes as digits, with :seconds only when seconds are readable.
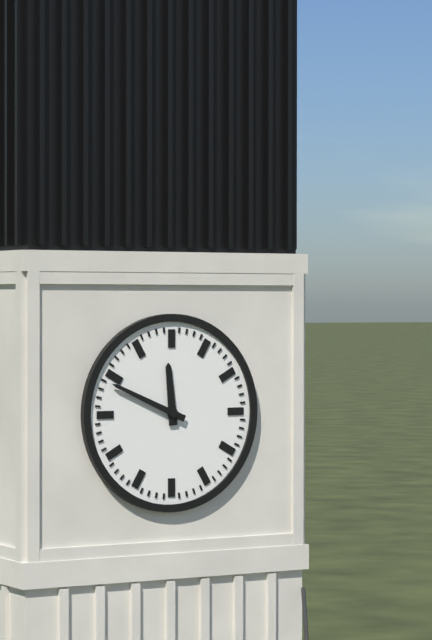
11:49
